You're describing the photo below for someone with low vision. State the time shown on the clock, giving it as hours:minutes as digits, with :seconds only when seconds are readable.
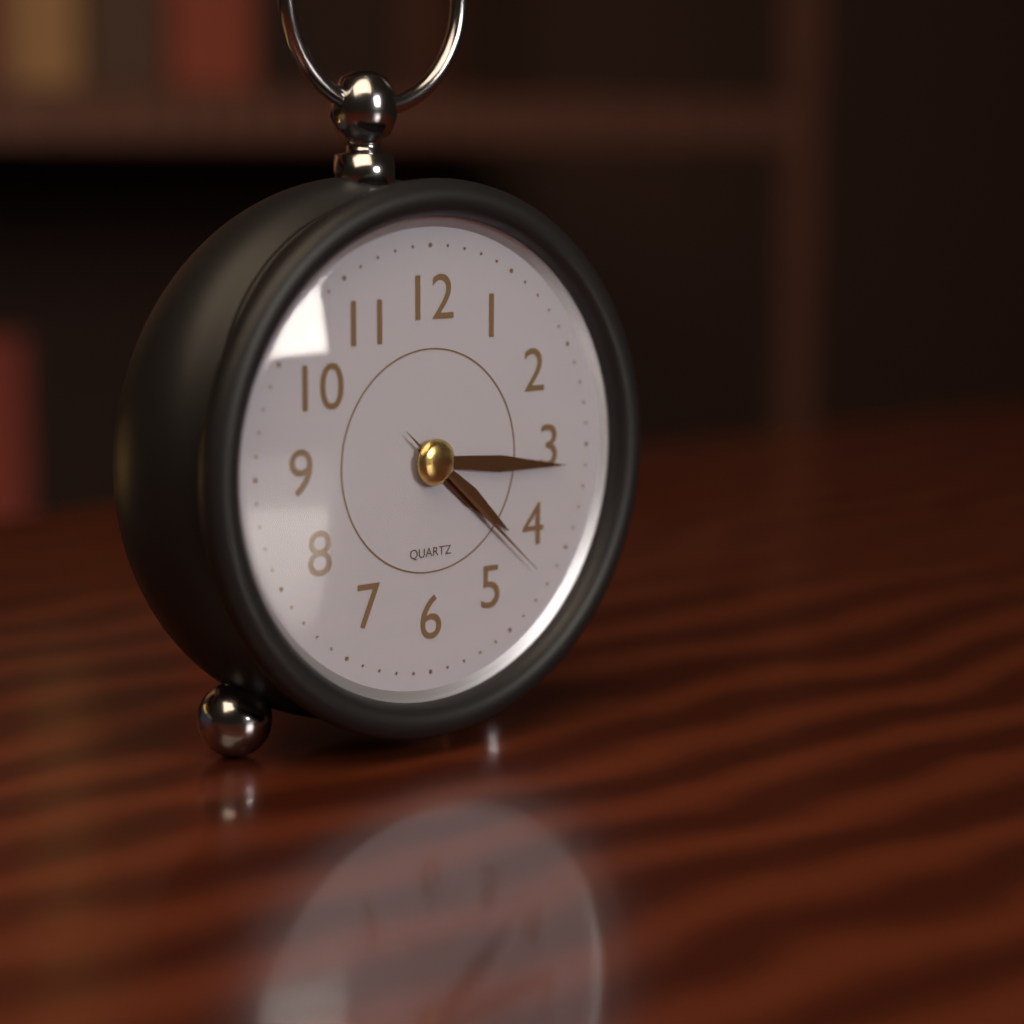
4:16:22
